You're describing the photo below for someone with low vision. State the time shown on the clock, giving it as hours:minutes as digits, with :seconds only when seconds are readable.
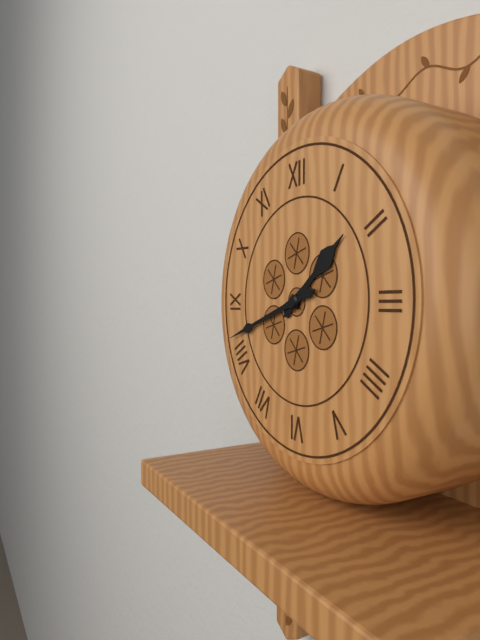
1:42
